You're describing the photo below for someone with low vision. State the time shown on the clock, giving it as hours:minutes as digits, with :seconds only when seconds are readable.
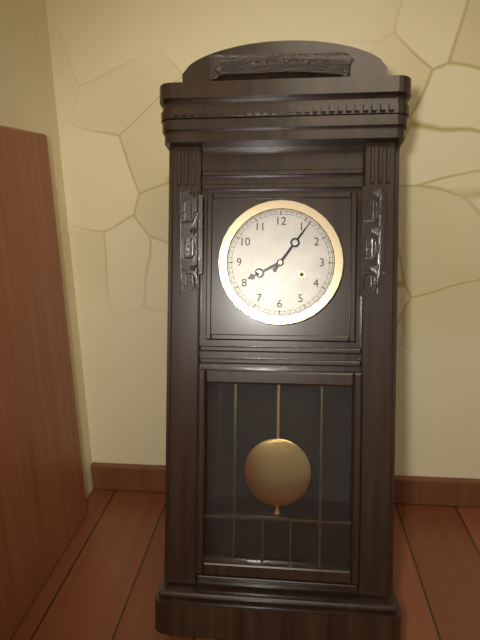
8:06
